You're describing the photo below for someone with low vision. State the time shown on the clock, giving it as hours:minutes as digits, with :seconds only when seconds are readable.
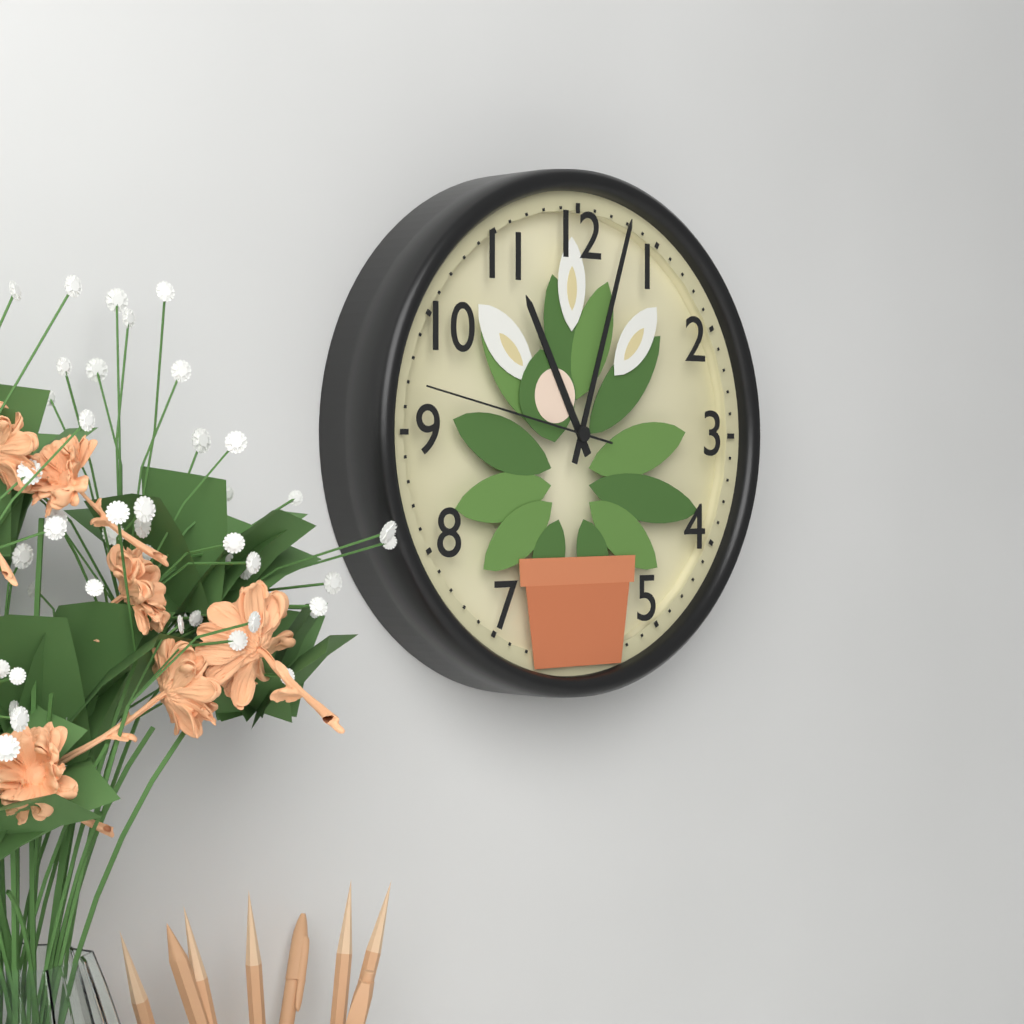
11:03:47
